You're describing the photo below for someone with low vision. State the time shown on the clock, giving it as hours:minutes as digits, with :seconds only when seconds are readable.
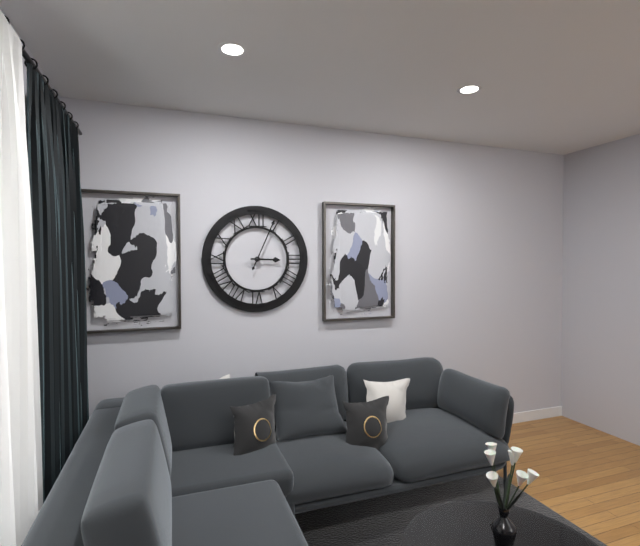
3:04
